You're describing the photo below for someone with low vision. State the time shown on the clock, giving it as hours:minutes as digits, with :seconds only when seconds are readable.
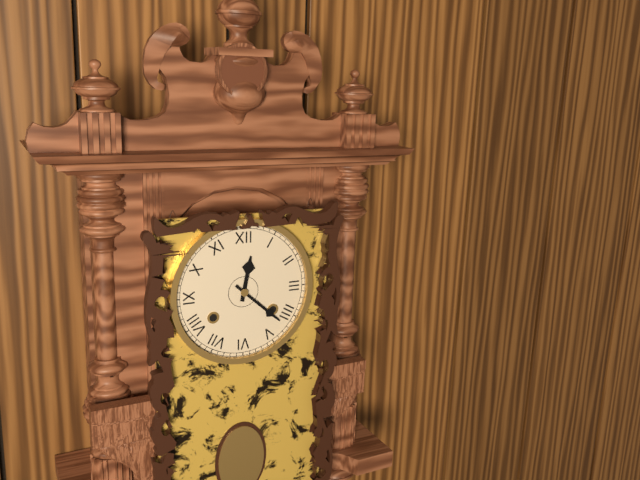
12:22
